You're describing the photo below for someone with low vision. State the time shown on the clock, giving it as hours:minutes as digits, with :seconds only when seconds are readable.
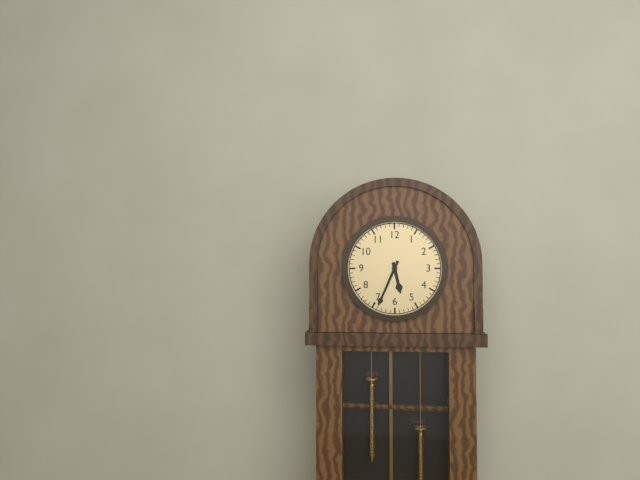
5:34
